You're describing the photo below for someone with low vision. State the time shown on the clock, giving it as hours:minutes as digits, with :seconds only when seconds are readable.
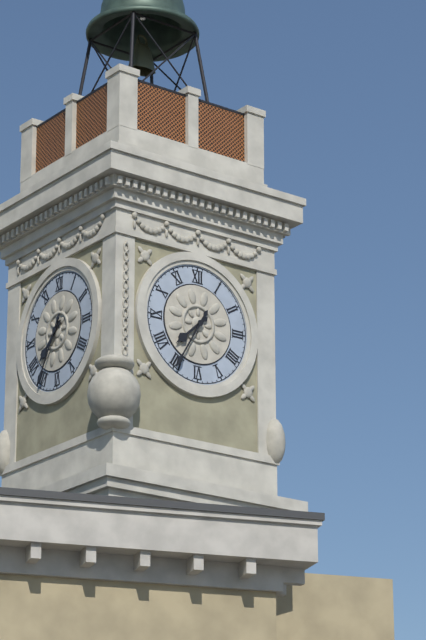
7:35
